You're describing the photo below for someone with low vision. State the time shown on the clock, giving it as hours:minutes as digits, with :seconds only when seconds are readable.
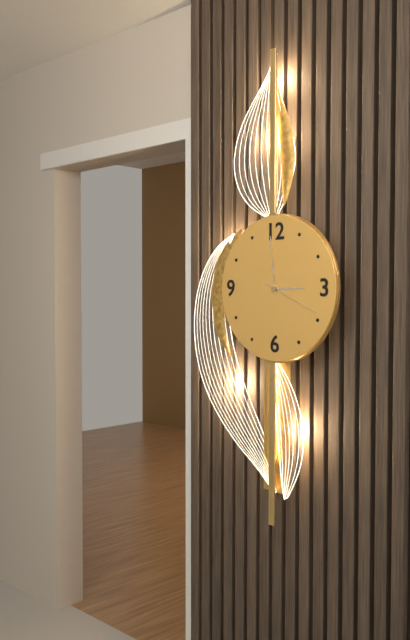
2:59:19
